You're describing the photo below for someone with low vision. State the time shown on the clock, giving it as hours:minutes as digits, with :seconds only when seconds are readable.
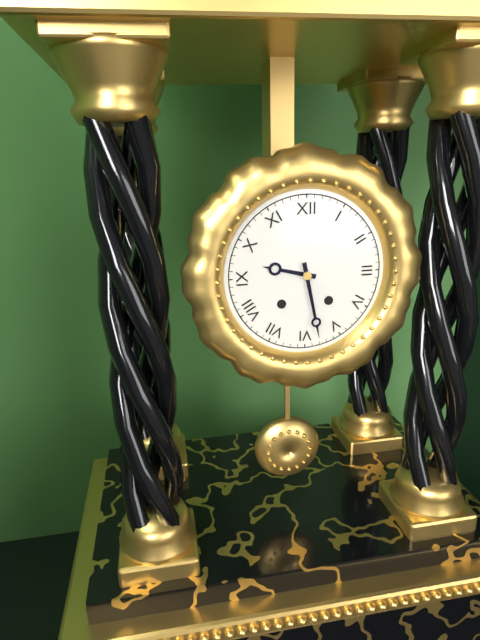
9:28
